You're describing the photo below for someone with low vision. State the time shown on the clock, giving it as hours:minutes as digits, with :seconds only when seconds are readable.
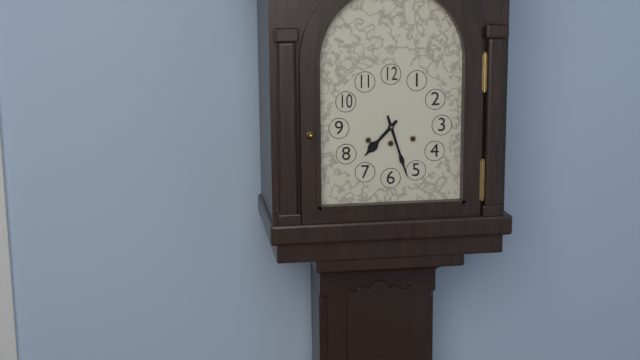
7:27
